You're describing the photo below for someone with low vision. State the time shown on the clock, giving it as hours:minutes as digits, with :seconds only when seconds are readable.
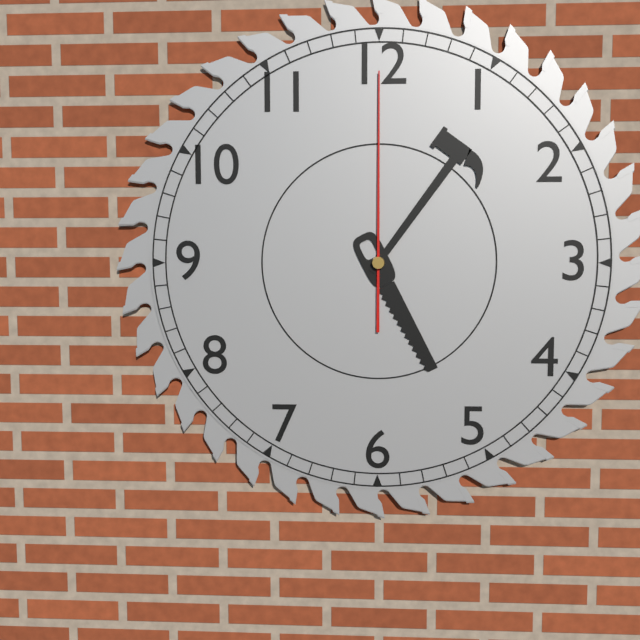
5:06:00
